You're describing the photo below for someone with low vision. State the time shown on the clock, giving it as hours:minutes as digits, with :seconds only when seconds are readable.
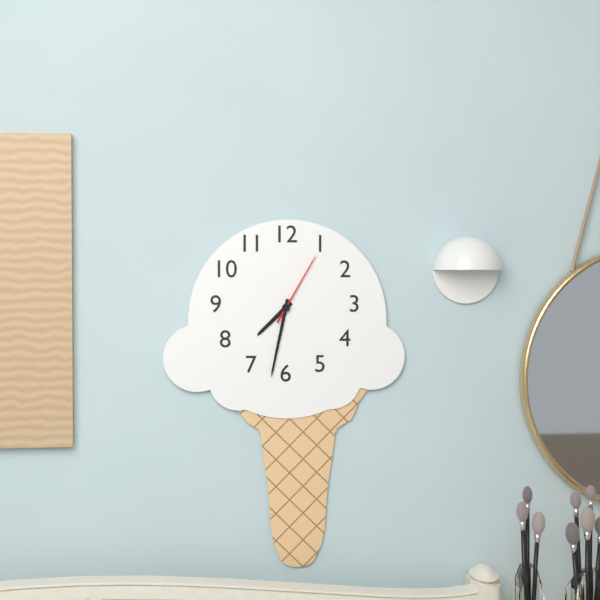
7:32:05
